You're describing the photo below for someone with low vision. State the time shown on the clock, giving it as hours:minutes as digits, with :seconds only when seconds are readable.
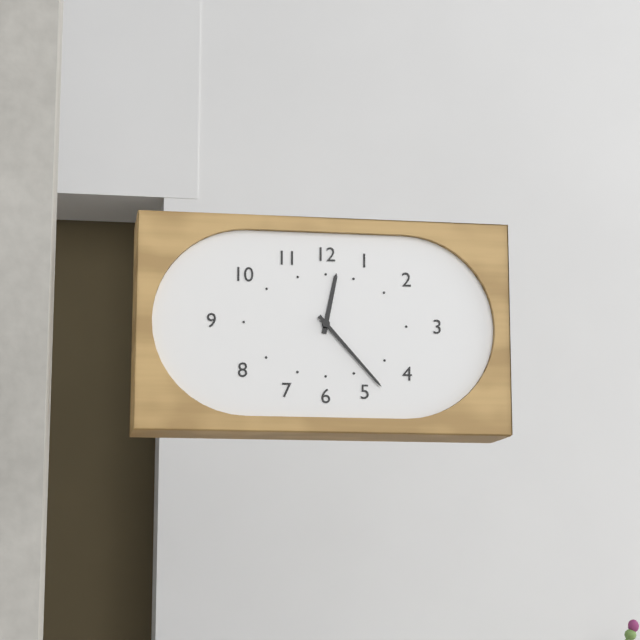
12:23
